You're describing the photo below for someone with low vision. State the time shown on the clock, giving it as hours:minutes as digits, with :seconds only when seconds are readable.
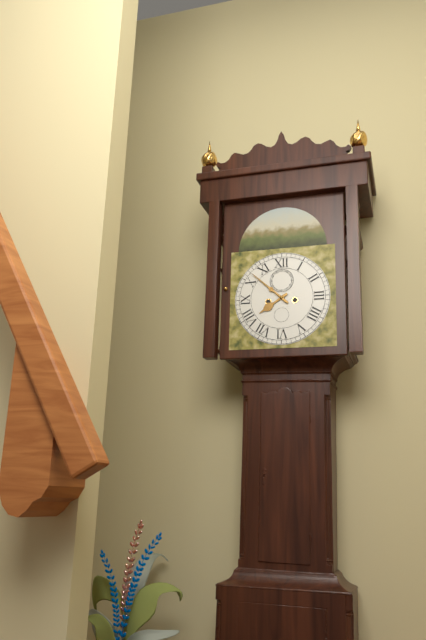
7:52
